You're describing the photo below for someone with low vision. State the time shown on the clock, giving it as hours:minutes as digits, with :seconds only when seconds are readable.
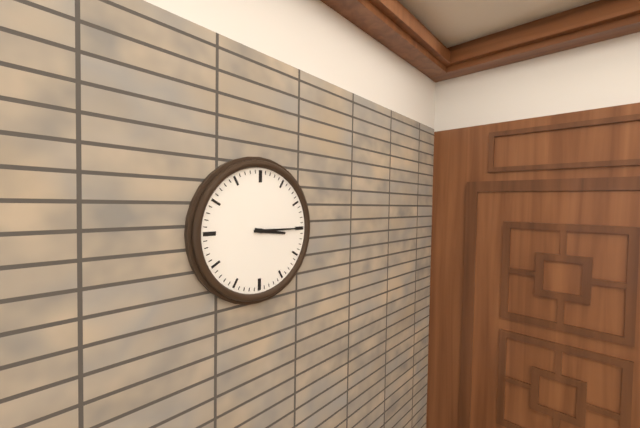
3:15
